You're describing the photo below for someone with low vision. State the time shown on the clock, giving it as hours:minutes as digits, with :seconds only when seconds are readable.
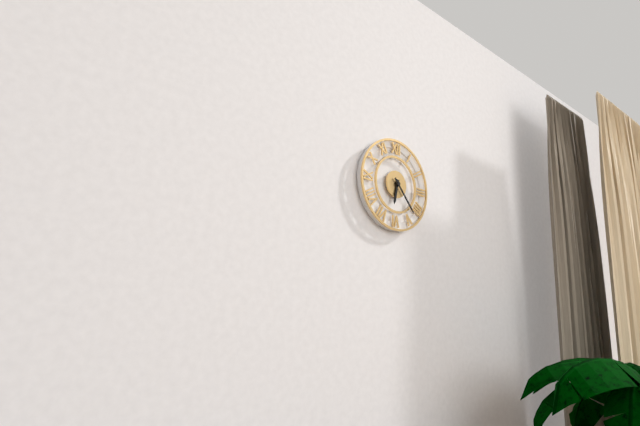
6:23
